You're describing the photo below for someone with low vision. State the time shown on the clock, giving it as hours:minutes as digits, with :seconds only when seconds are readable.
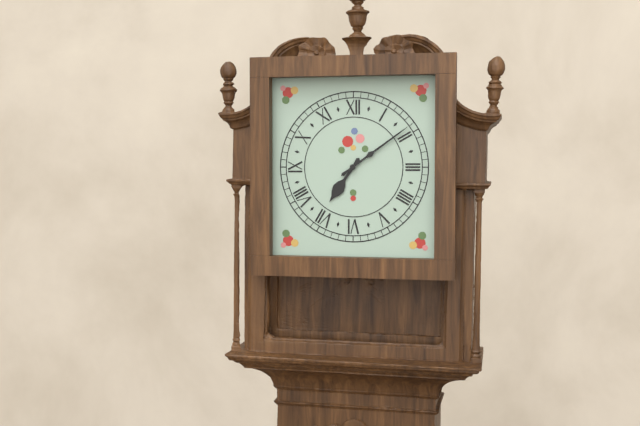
7:09
